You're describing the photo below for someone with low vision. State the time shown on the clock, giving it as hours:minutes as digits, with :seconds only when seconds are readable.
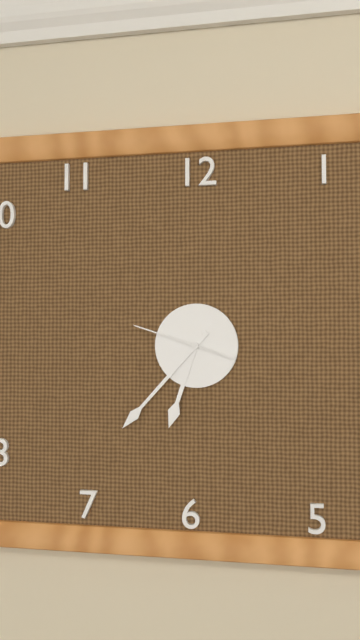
6:37:48
